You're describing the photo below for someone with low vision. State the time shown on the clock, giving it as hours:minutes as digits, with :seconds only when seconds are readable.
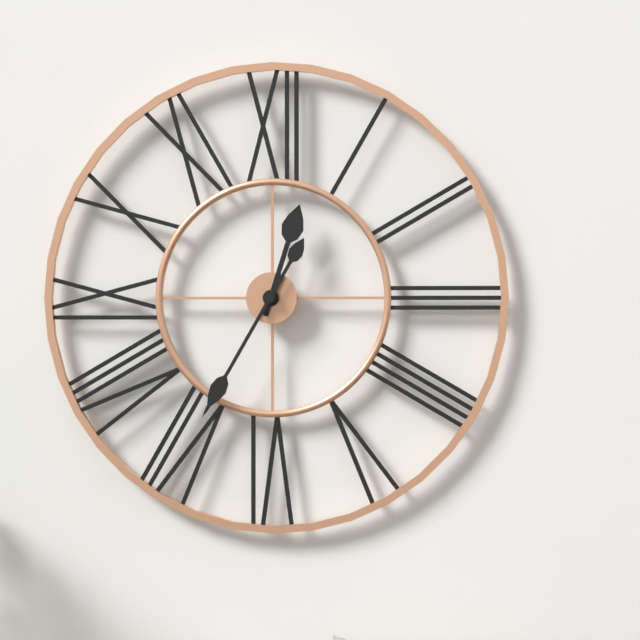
12:35
